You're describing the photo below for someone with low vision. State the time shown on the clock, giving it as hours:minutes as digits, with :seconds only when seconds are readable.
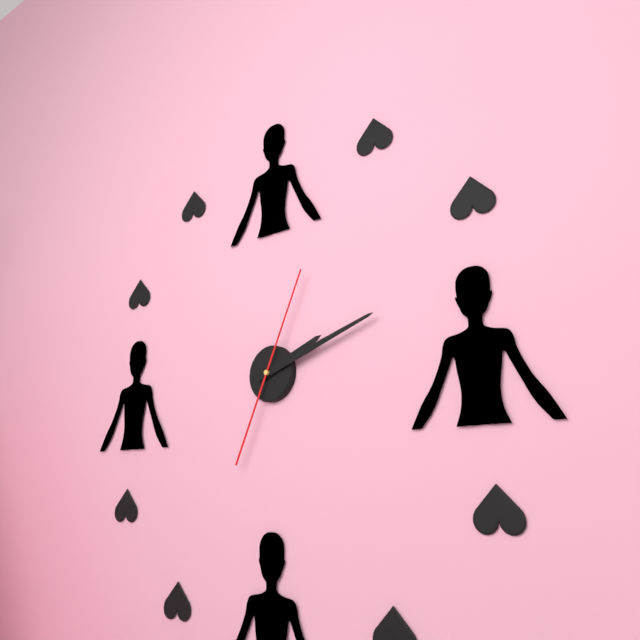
2:12:04
